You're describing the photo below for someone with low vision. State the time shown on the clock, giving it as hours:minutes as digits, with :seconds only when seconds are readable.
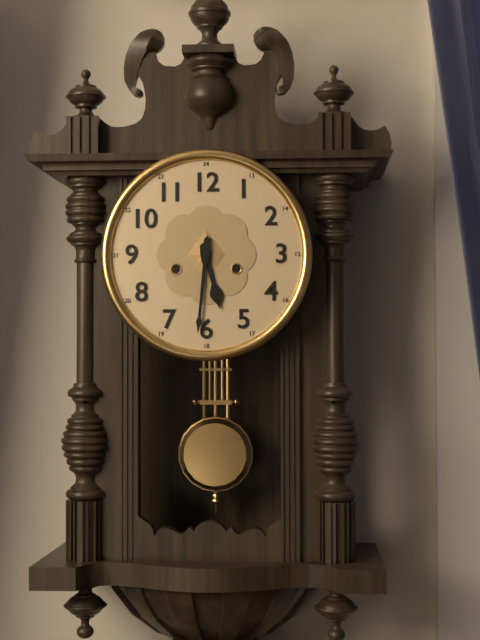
5:31
